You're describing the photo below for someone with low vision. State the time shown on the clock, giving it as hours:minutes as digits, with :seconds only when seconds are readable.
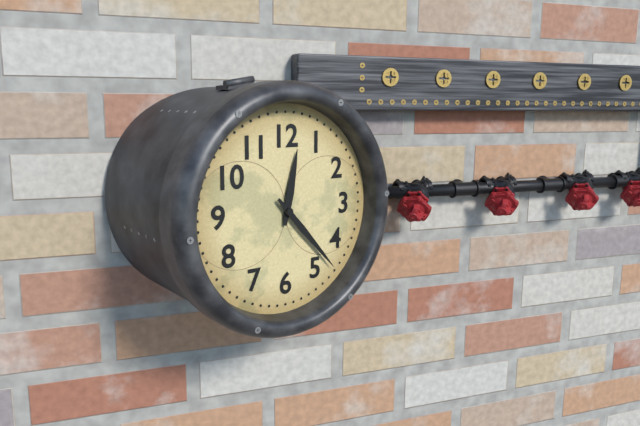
12:23
